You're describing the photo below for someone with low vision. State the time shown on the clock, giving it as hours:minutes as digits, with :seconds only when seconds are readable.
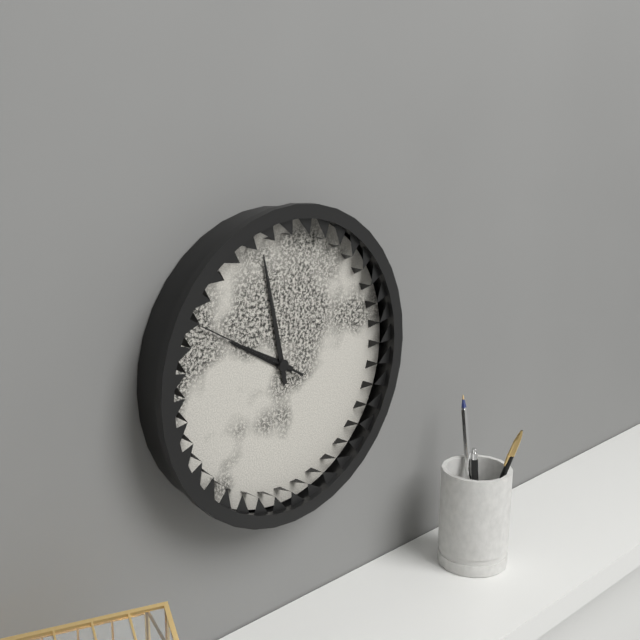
9:58:50
